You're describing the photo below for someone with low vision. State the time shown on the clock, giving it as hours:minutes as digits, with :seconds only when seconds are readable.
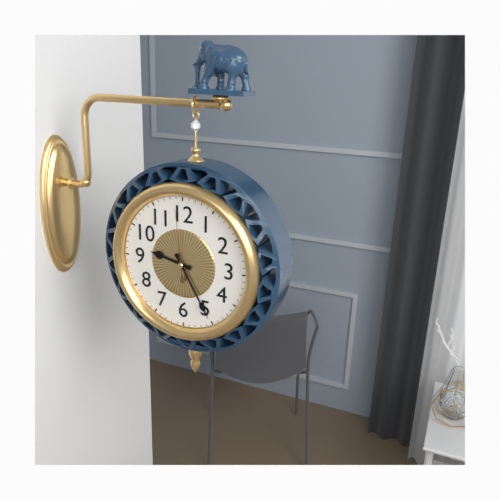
9:25:59
